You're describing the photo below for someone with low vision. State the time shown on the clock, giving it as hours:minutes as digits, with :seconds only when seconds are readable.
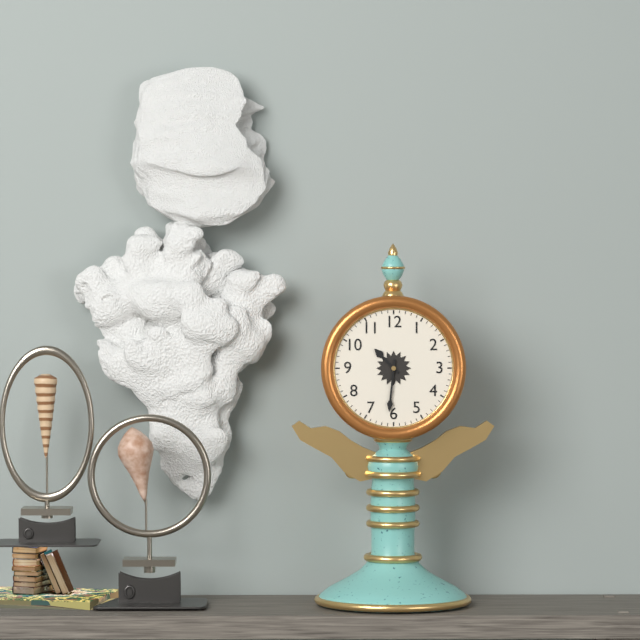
10:31
